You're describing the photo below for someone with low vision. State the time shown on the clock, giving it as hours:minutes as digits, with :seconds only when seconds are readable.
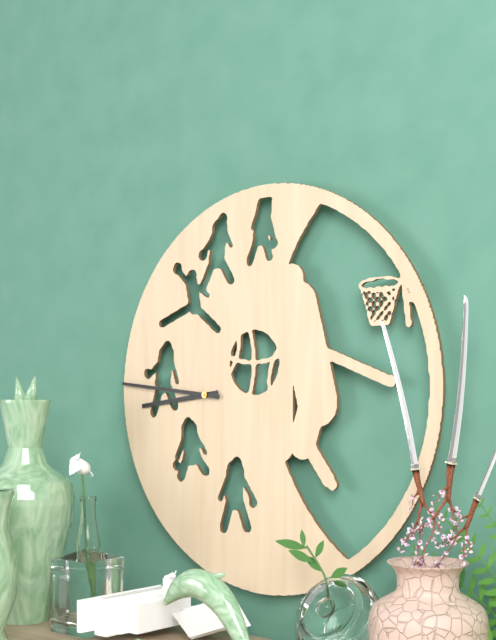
8:46
